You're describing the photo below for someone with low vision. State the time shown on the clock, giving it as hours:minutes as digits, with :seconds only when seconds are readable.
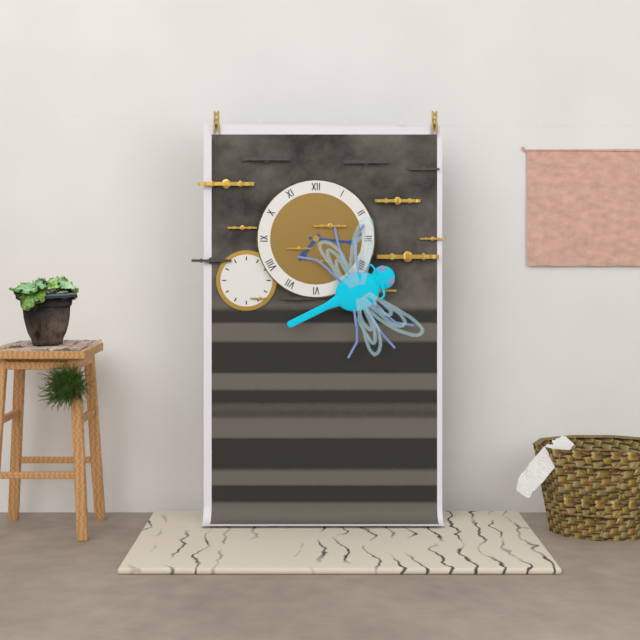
7:16
